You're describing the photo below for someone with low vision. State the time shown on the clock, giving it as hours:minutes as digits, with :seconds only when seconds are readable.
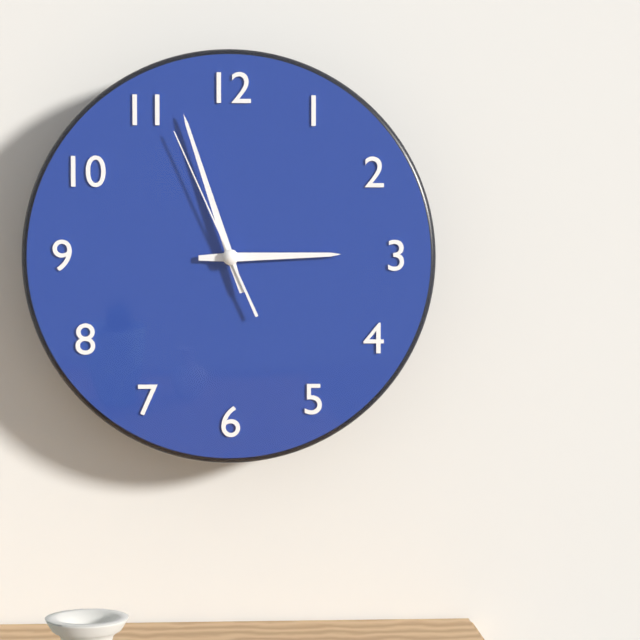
2:57:56
